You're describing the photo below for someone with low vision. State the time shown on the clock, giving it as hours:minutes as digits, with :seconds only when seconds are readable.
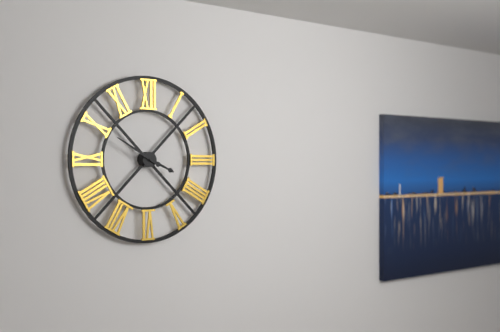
3:50
